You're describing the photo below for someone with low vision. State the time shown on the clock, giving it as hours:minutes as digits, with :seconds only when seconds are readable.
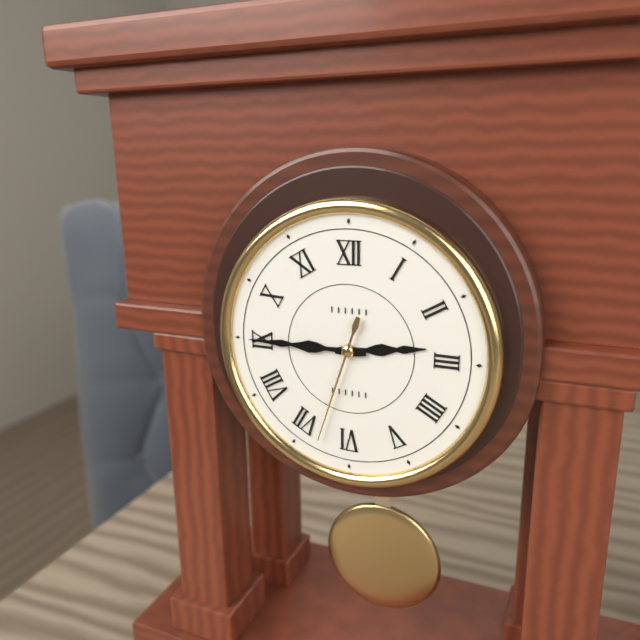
2:45:33
